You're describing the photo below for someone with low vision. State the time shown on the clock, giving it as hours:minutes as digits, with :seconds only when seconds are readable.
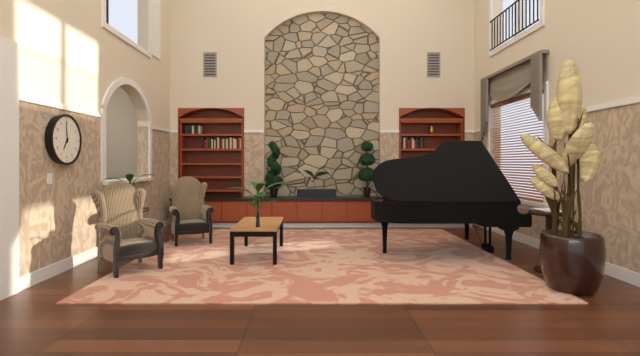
6:59
